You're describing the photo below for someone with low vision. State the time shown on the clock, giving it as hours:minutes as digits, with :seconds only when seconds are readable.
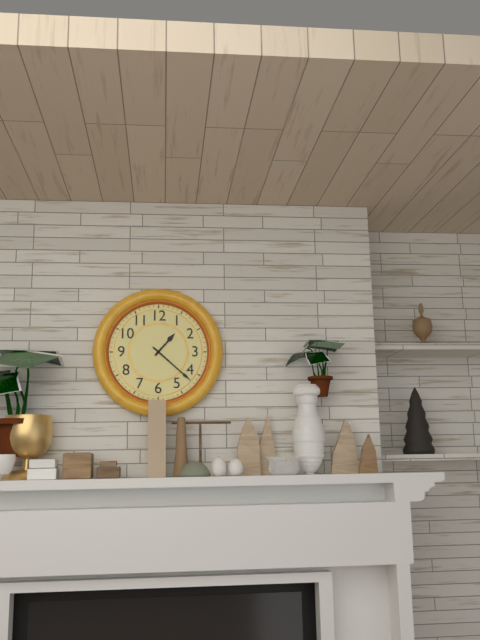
1:22
